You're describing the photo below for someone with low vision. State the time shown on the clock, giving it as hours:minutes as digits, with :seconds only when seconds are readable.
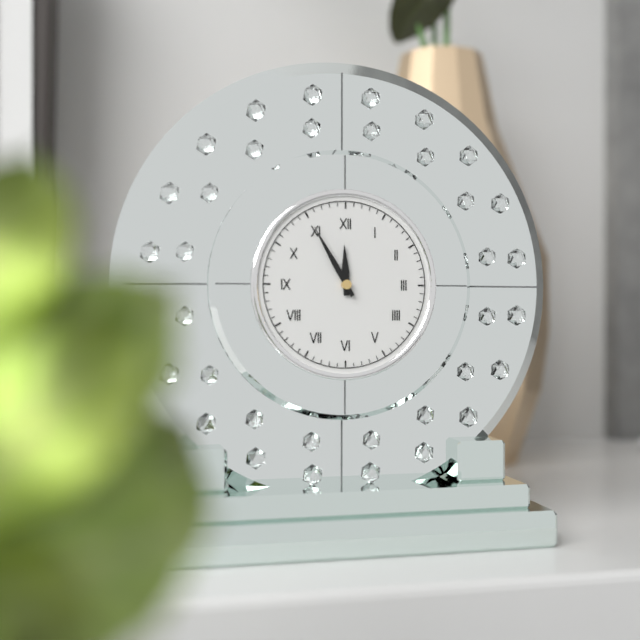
11:55
